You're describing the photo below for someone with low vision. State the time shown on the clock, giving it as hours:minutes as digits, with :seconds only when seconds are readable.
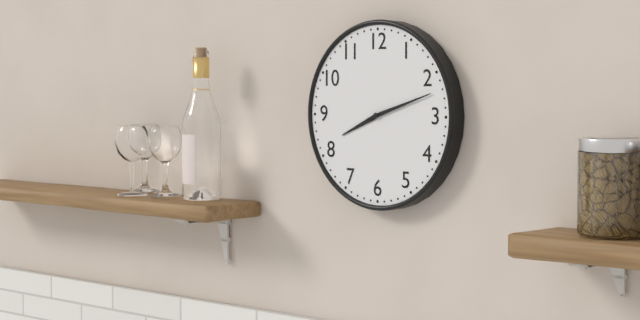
8:12
